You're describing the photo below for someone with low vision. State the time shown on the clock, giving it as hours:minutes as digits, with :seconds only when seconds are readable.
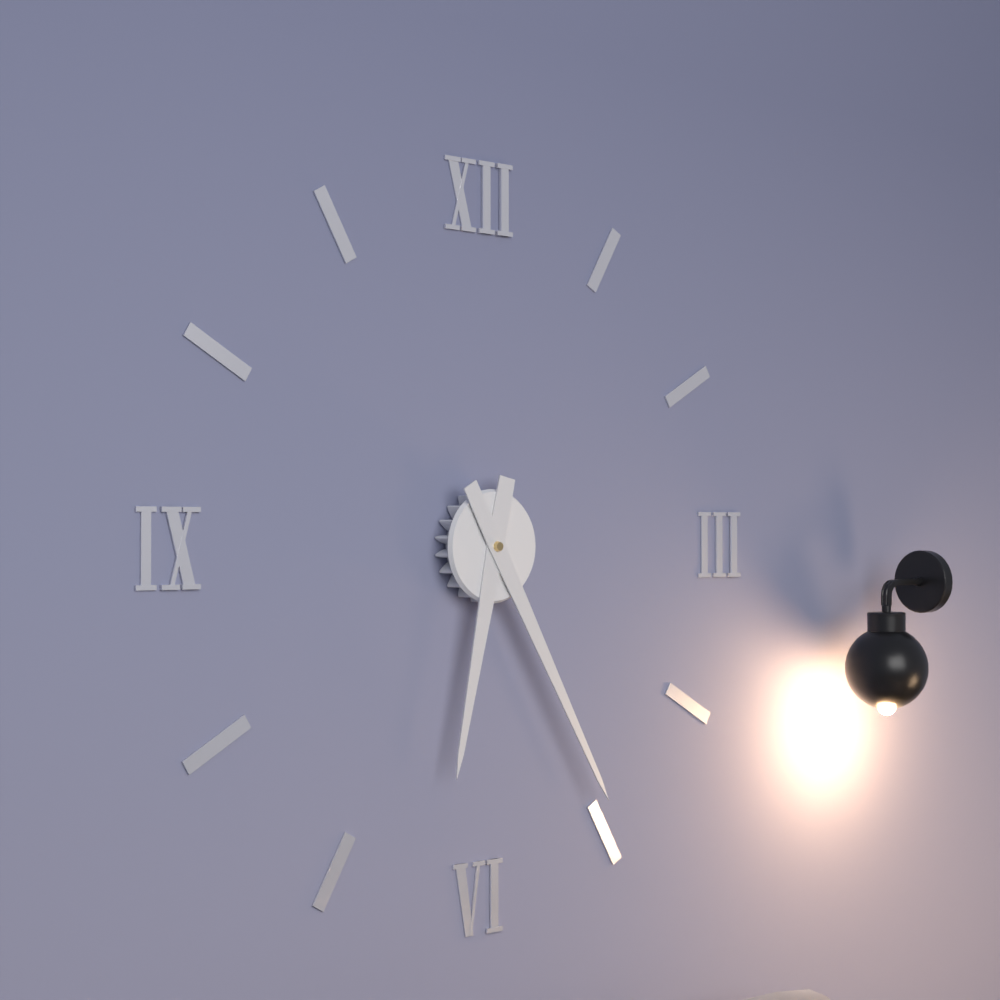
6:25
